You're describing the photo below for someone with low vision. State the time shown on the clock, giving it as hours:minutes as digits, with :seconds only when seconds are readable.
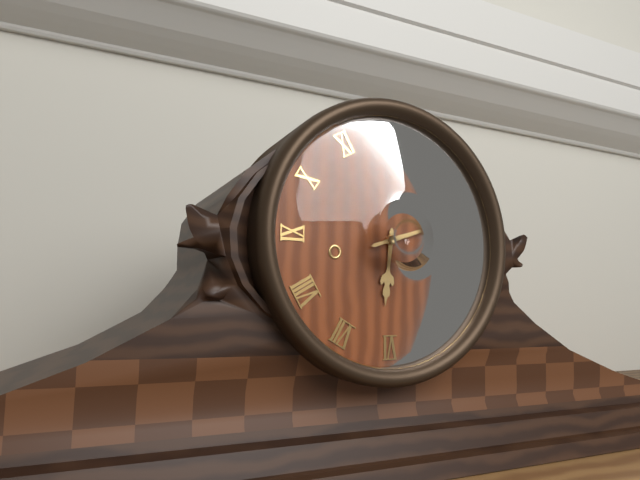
6:12
